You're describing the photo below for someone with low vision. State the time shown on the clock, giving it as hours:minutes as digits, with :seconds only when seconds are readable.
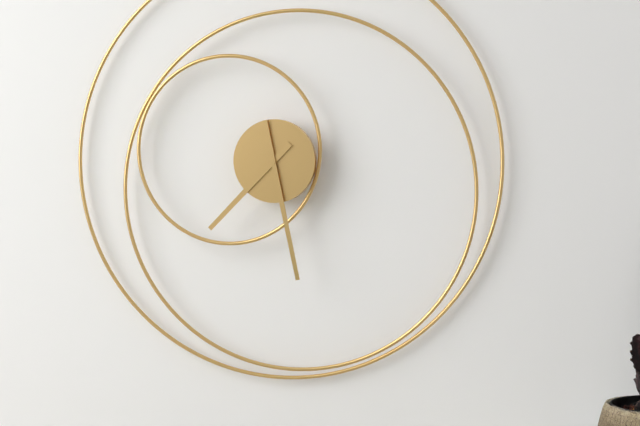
7:28
